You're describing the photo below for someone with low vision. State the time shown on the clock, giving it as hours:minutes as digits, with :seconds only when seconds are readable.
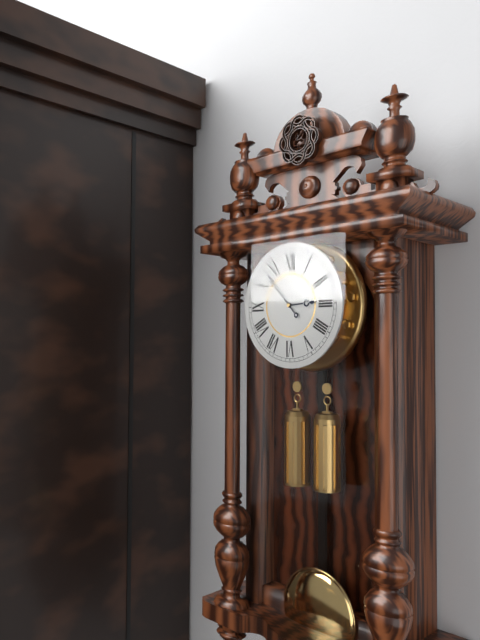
2:53
